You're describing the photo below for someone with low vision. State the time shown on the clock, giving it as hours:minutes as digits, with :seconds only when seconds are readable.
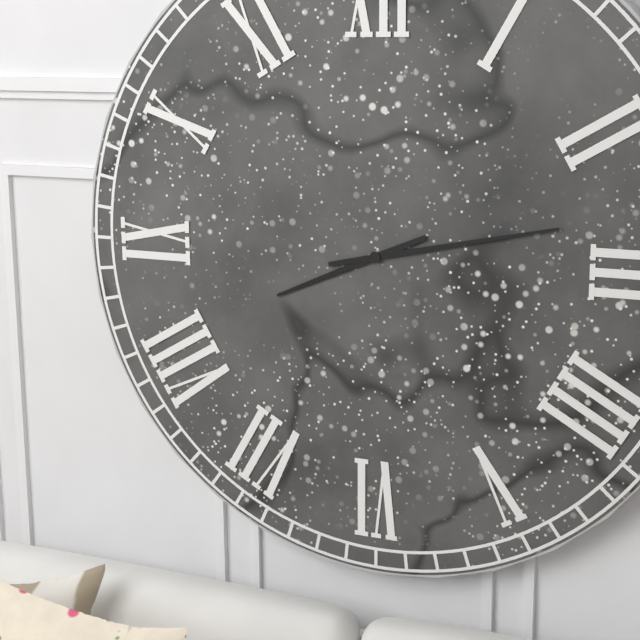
8:13
